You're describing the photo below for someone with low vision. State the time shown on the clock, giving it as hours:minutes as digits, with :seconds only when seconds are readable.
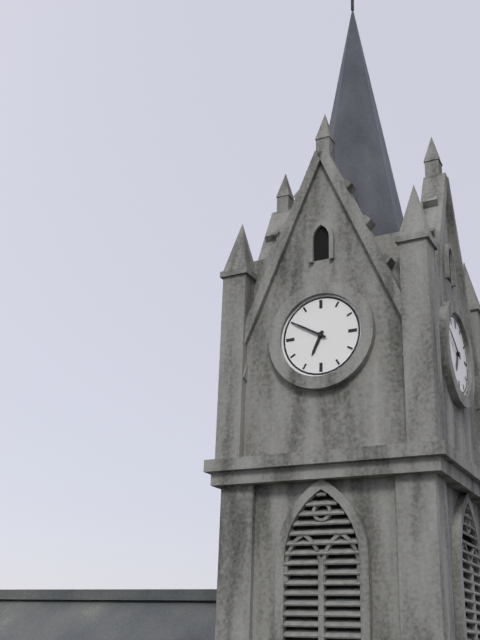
6:50
